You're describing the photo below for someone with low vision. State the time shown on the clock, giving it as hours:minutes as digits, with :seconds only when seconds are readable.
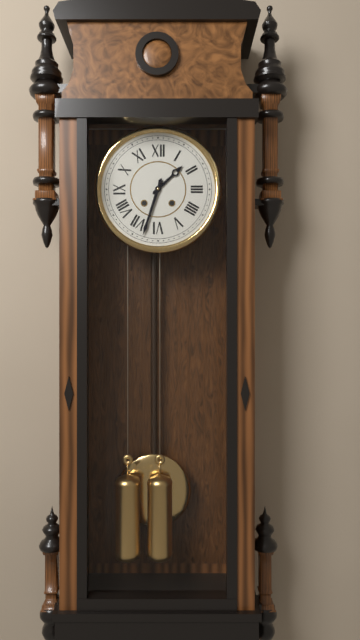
1:33
